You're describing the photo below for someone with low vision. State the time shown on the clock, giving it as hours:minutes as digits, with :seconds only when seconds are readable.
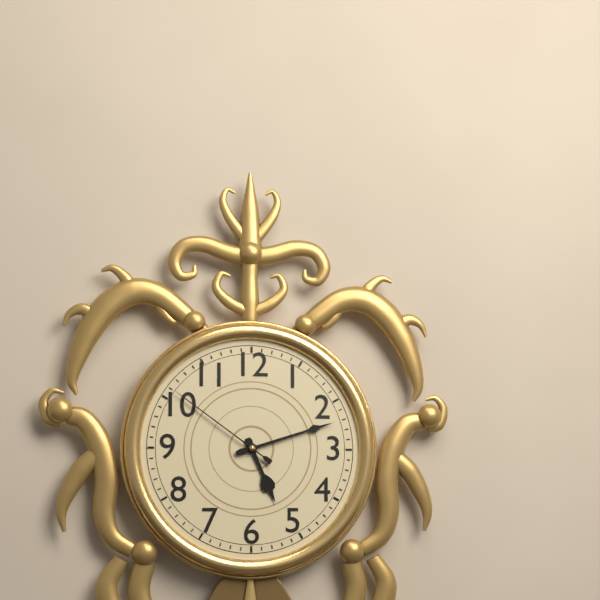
5:12:51
